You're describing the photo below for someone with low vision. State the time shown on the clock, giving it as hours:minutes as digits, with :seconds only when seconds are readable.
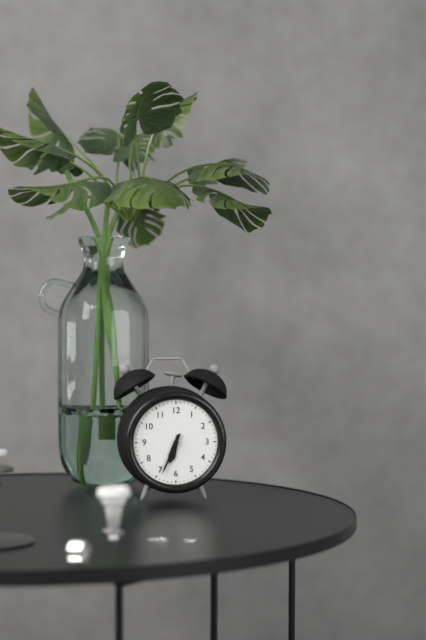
6:34
